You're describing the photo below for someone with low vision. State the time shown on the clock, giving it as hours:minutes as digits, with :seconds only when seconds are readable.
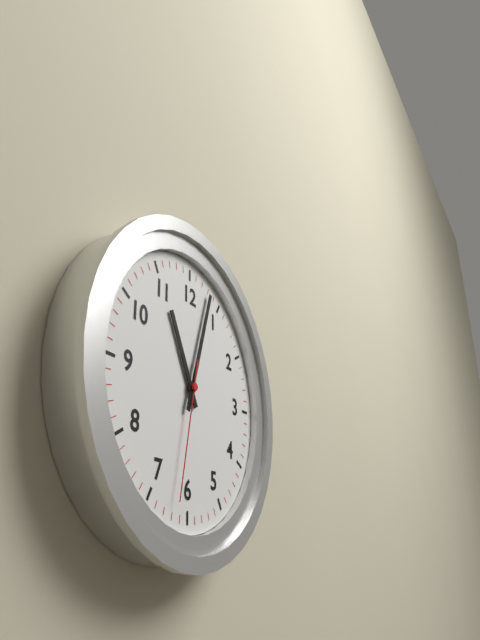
11:03:32
